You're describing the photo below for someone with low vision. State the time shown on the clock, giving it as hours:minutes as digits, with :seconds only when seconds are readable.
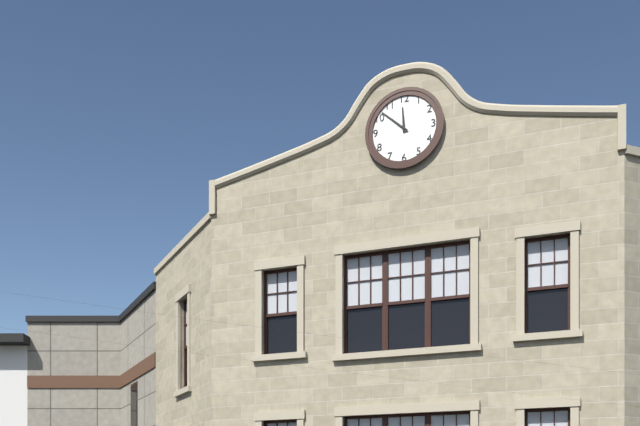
11:52
